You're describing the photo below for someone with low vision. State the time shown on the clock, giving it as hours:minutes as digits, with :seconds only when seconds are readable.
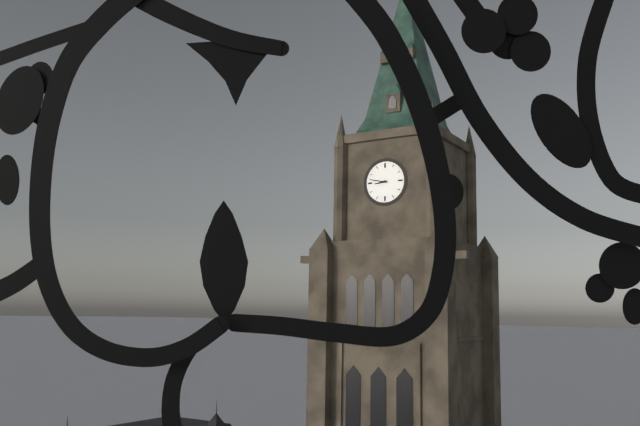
8:47
